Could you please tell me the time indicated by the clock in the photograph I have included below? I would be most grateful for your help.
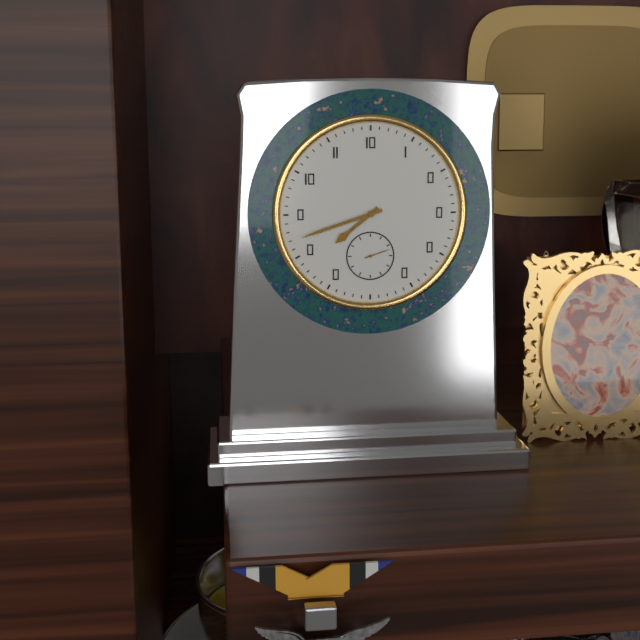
7:42
